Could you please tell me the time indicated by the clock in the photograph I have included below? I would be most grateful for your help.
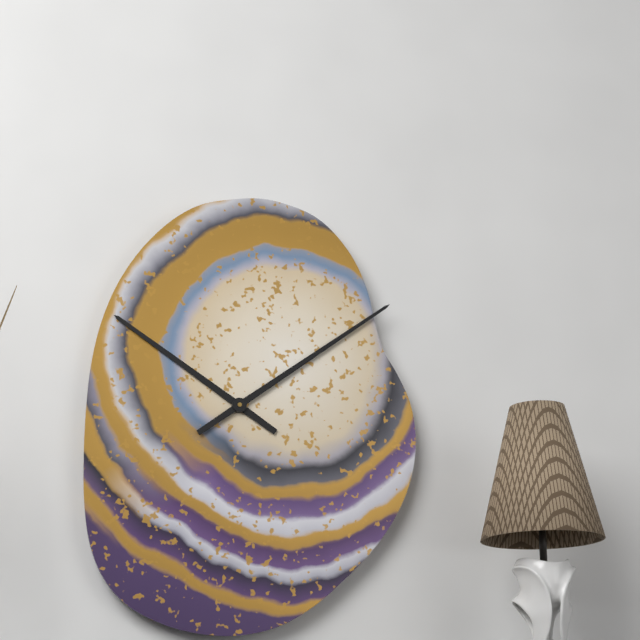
10:09
